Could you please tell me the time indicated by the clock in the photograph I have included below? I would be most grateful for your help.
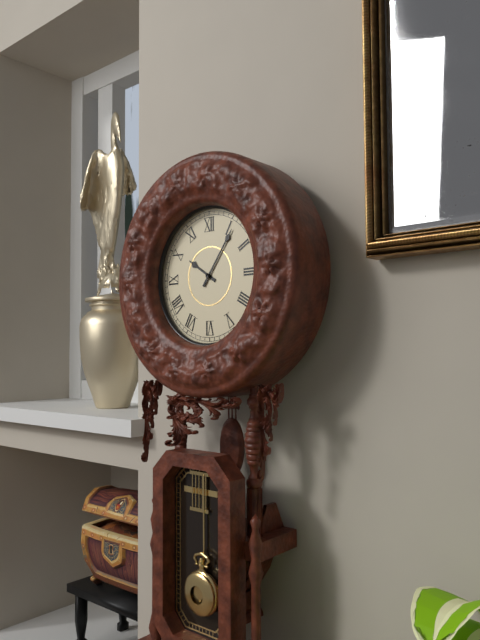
10:06
